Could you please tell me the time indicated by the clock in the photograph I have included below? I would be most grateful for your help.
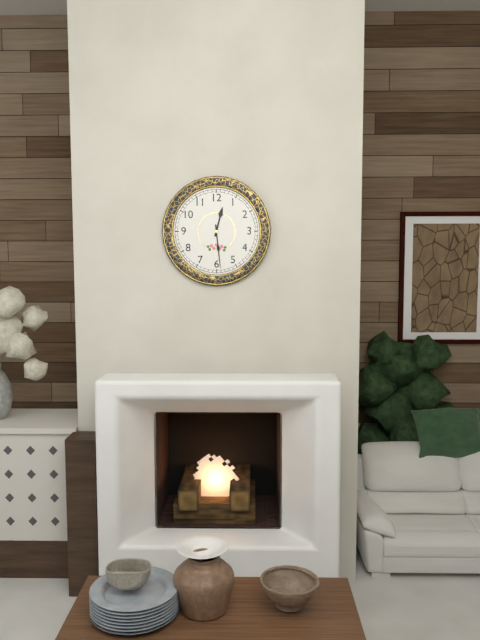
12:29
